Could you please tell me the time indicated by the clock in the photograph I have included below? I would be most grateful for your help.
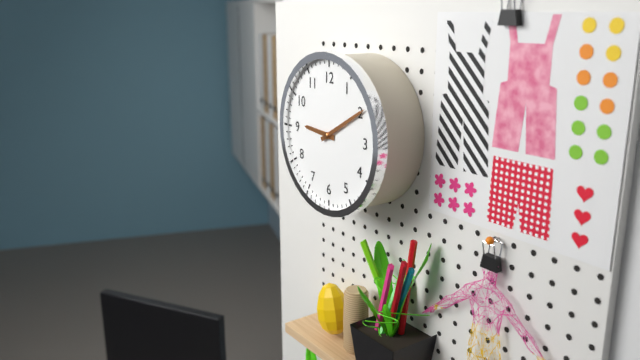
9:10
